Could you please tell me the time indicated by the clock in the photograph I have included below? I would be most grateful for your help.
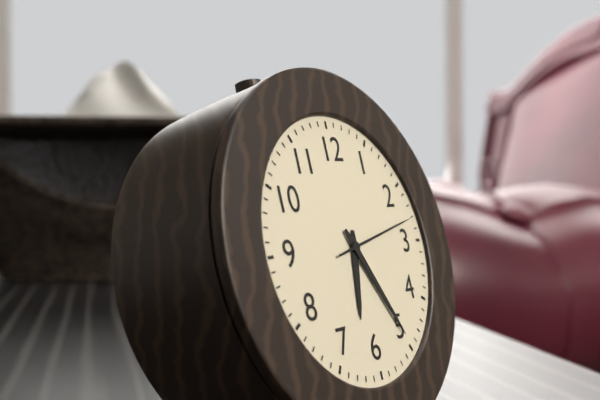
6:25:13
